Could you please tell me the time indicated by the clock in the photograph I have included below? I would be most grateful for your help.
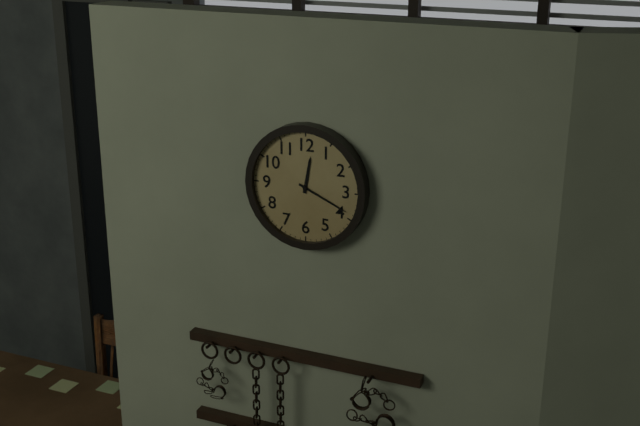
12:19
